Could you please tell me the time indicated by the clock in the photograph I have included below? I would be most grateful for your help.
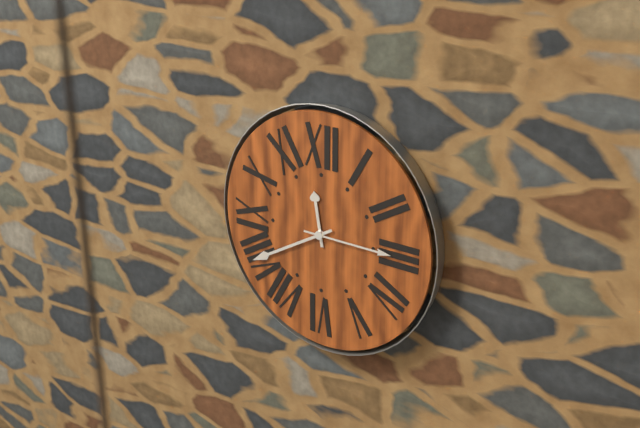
11:40:15
